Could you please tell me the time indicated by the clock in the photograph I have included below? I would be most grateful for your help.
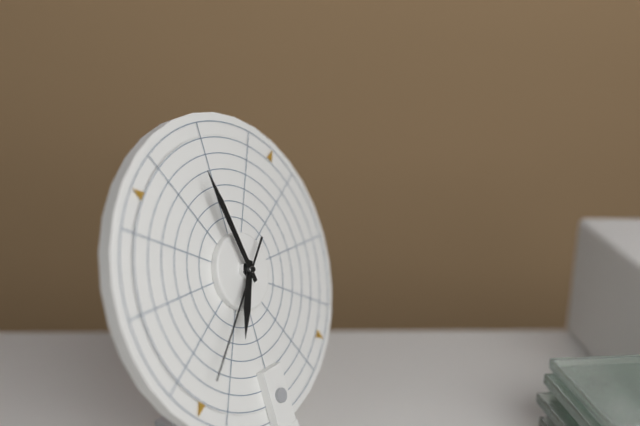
6:58:38
